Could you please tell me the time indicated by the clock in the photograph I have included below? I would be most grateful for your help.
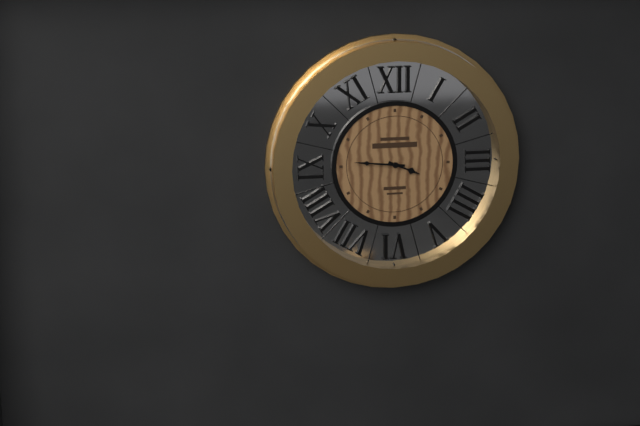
3:46
